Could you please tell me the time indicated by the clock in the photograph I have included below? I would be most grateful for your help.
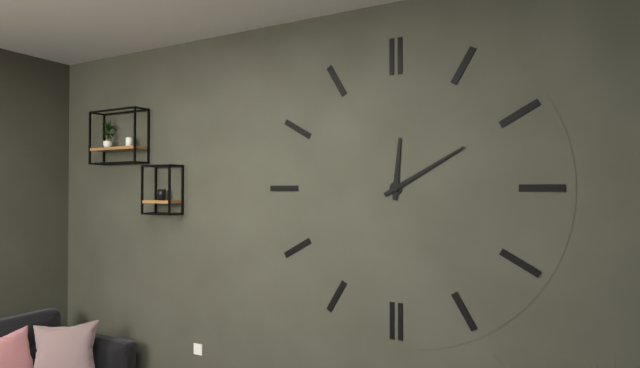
12:10
